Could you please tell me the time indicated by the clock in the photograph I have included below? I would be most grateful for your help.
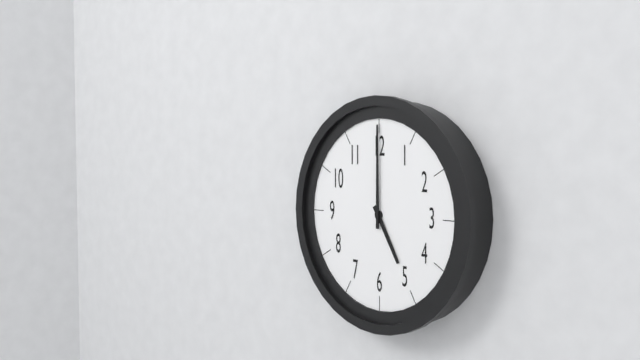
5:00
